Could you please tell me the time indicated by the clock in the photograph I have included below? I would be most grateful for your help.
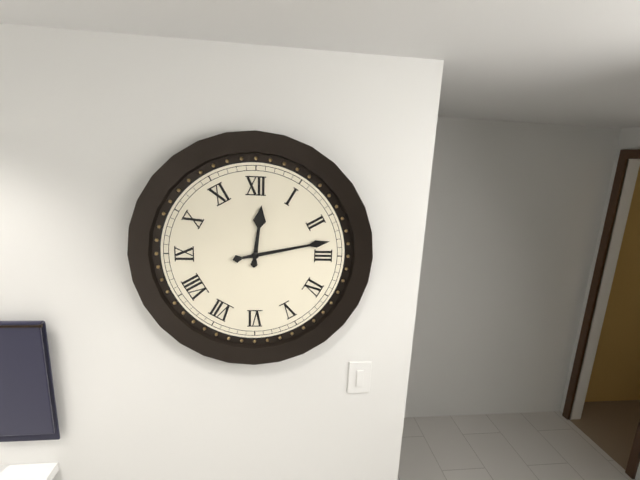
12:13
